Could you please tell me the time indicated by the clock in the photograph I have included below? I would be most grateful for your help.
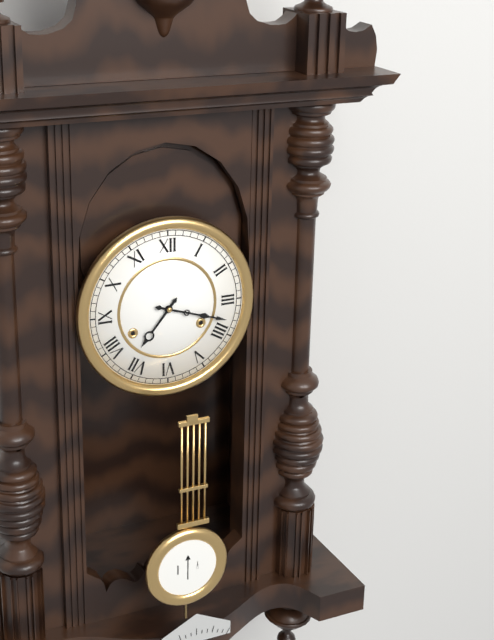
7:18
